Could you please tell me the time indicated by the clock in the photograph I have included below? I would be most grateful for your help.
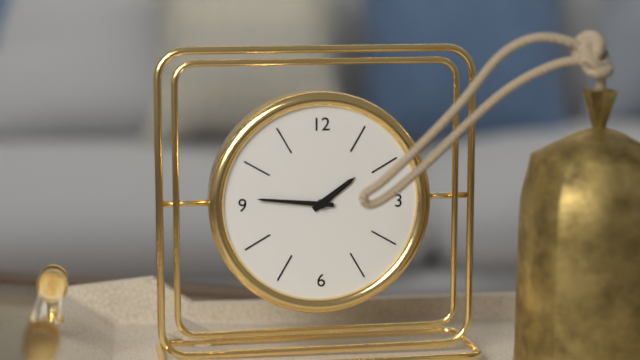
1:46
